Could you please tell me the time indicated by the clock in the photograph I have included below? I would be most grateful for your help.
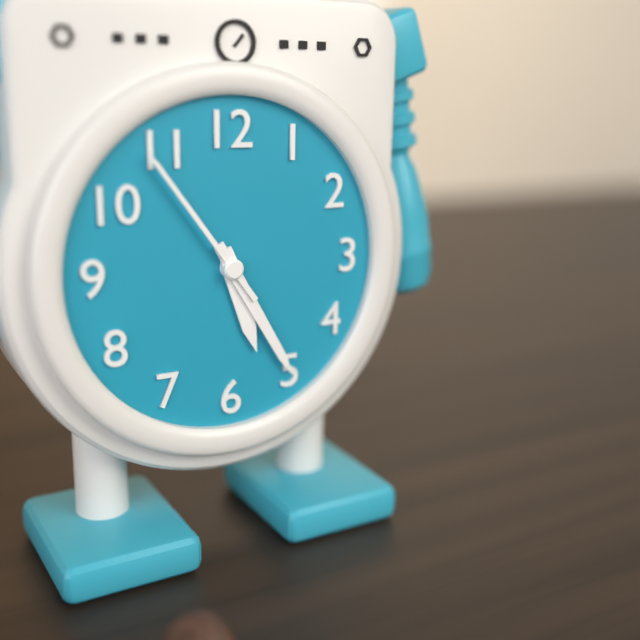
5:25:54
